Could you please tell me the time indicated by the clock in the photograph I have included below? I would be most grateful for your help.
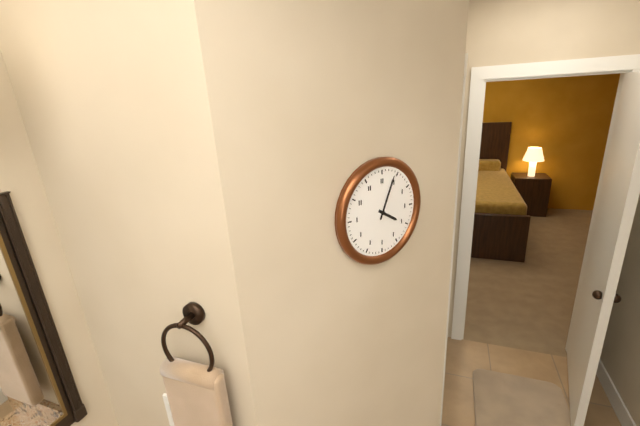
4:04
